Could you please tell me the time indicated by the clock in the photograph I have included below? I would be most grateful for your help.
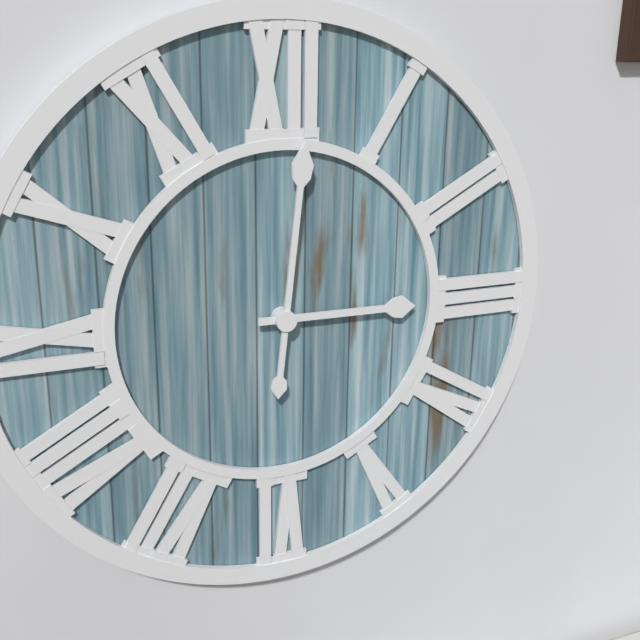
3:01
